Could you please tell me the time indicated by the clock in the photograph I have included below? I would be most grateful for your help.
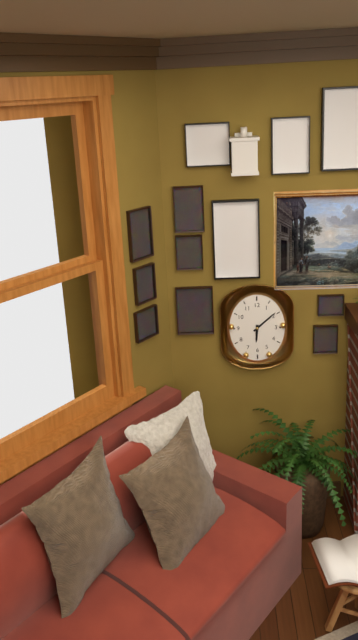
6:08
